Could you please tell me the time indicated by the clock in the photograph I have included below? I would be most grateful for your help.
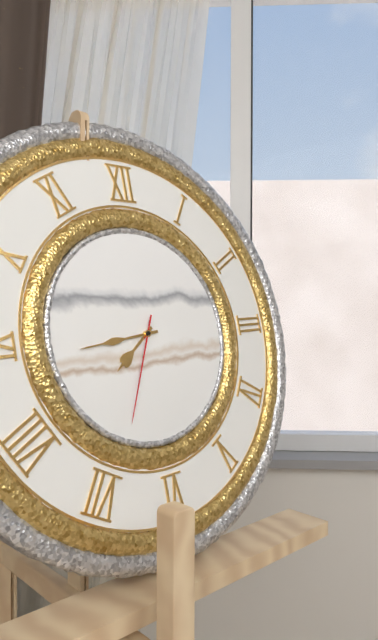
7:44:34
